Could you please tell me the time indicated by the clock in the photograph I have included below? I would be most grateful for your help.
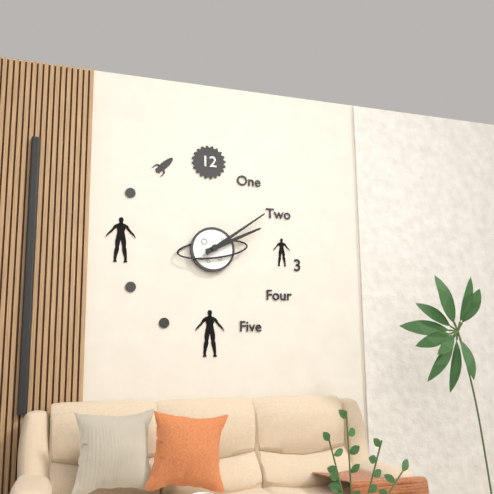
2:09
